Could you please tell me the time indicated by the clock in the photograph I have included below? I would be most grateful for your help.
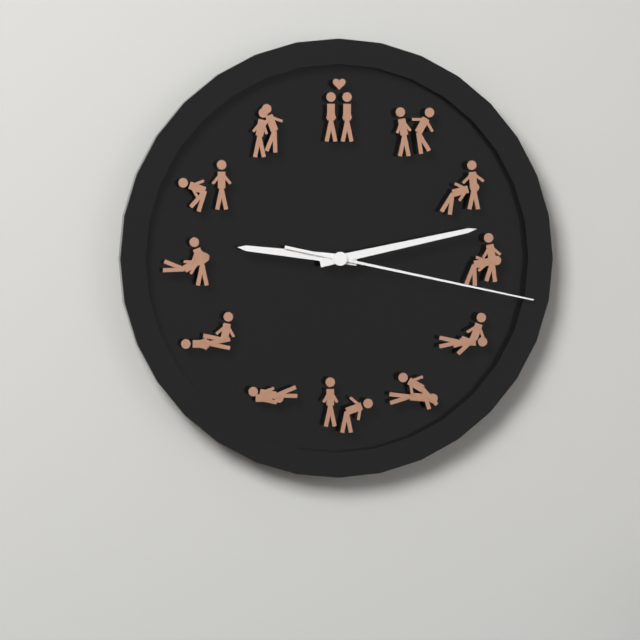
9:13:17
